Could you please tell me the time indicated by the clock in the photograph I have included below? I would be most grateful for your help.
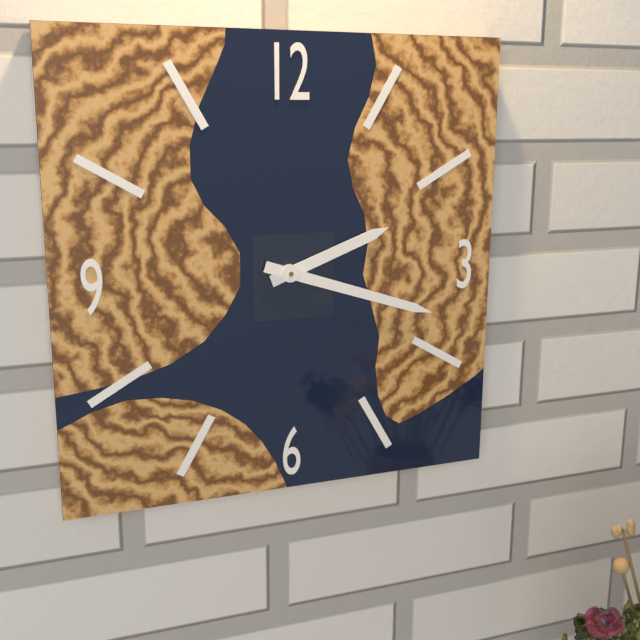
2:18
